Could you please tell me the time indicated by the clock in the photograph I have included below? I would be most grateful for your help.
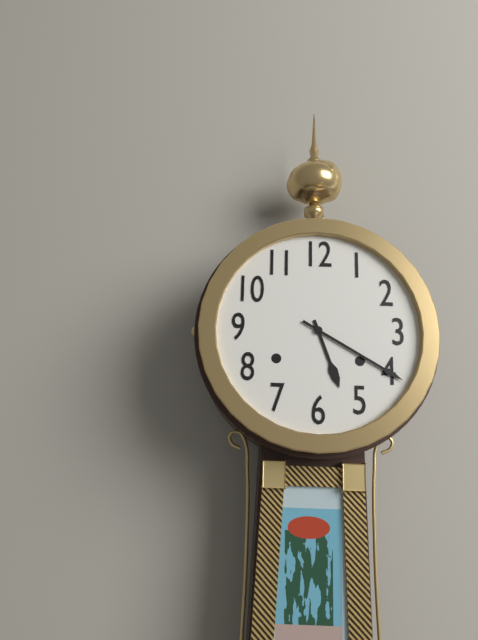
5:20
